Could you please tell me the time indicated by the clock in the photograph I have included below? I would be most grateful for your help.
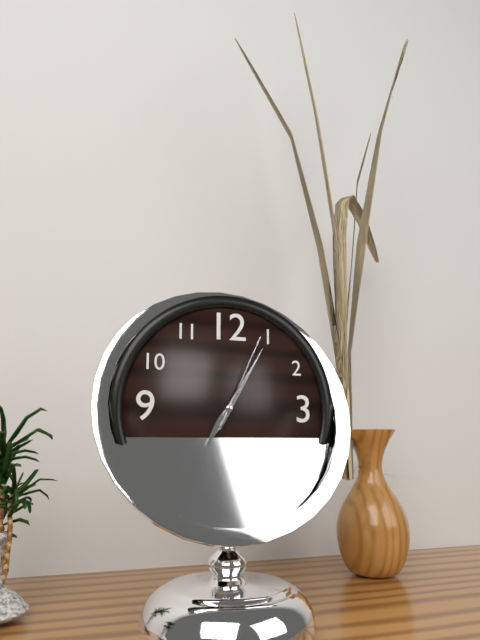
7:05:04
